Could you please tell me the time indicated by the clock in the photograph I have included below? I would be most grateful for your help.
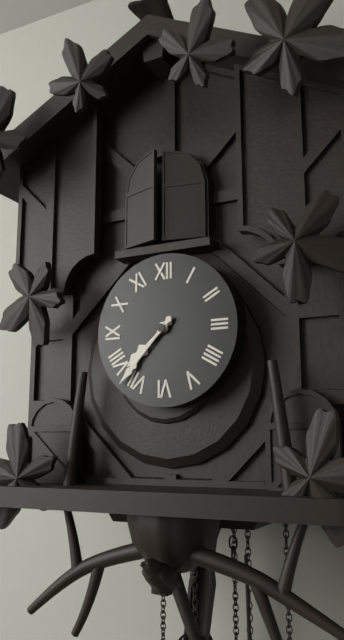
7:37
